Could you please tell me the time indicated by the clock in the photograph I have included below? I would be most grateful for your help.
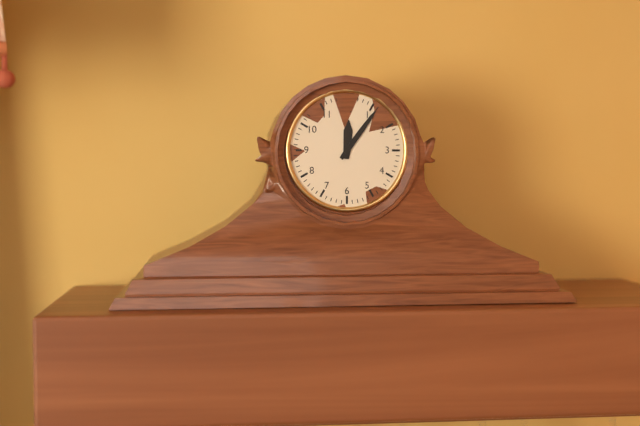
12:06
